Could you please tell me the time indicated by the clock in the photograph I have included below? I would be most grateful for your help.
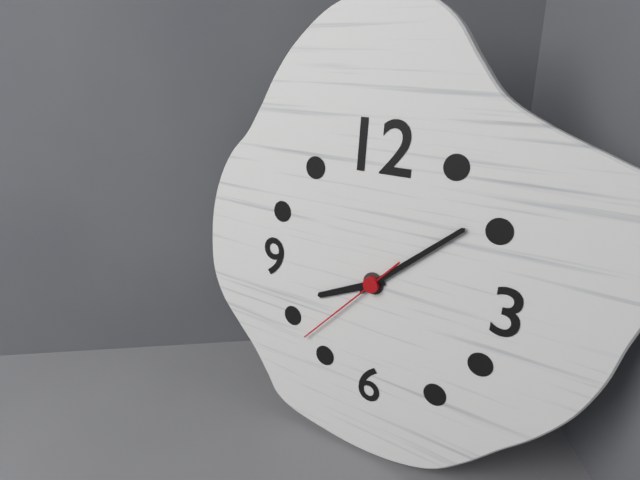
8:08:37
